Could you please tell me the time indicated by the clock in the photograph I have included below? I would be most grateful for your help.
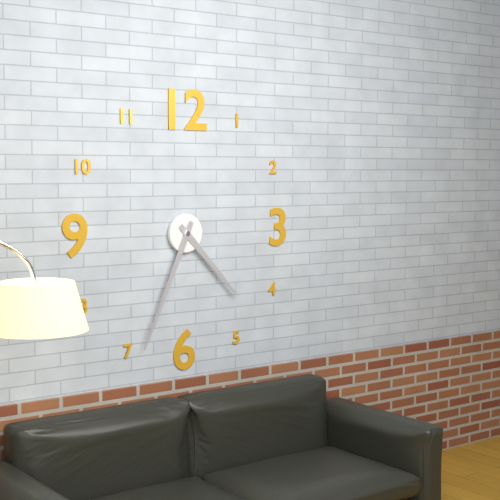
4:34
